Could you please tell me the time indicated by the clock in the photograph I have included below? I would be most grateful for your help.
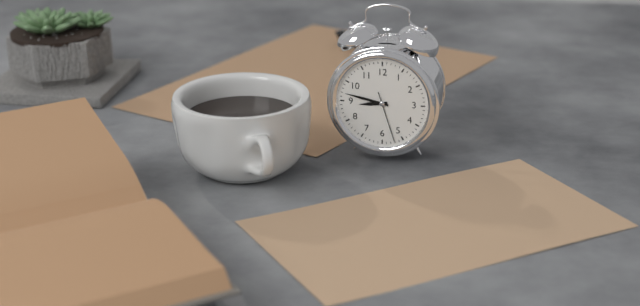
8:47
